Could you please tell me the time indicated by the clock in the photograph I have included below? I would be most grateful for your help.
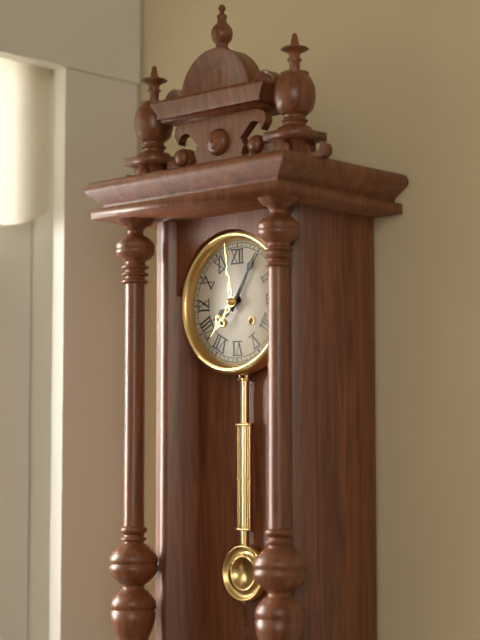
8:05
